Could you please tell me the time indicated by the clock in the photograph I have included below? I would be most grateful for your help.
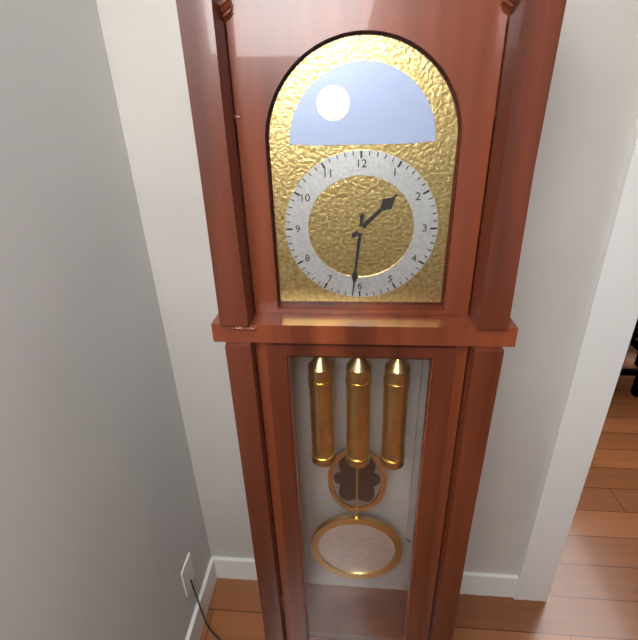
1:31
